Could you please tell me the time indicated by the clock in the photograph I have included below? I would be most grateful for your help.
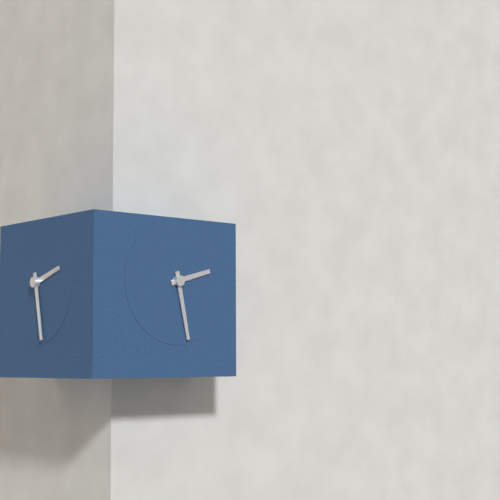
2:28
